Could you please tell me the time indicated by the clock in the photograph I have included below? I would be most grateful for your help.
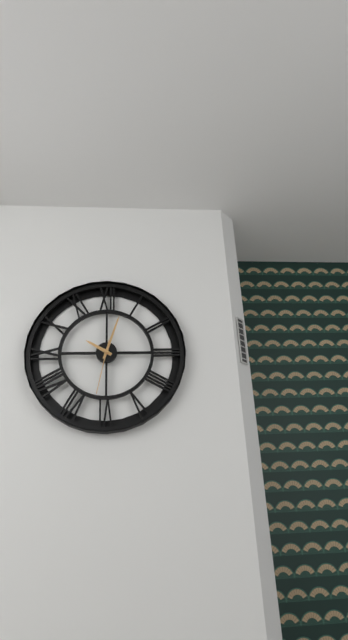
10:03:32
